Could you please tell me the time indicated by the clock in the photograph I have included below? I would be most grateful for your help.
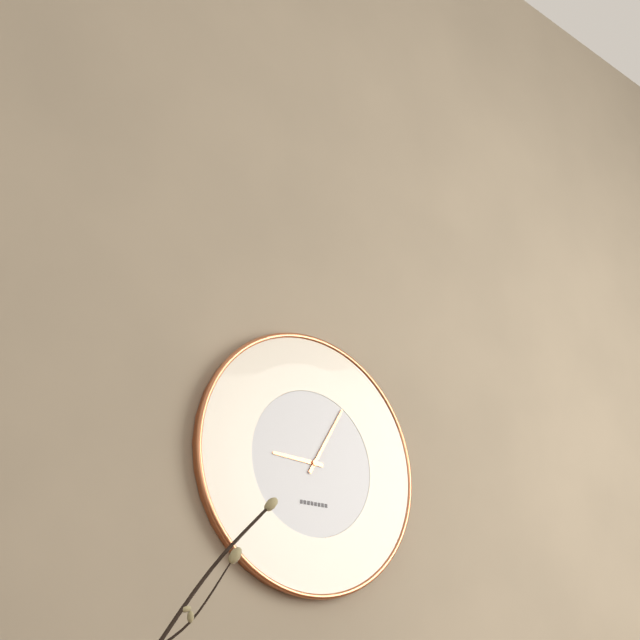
9:05
